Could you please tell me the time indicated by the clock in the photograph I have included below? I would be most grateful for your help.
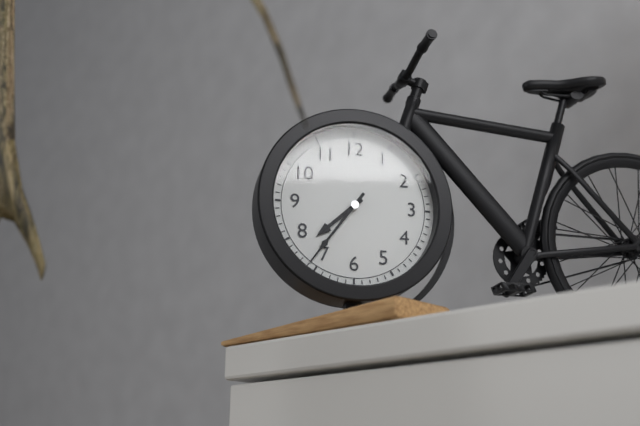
7:36
